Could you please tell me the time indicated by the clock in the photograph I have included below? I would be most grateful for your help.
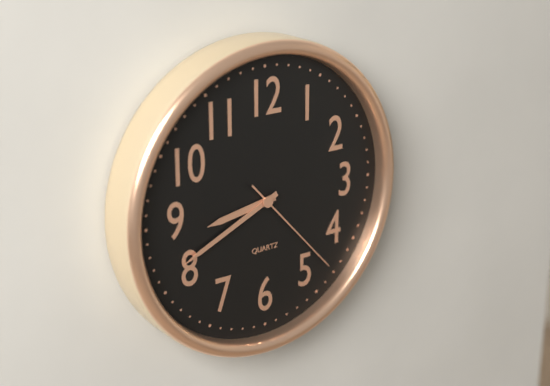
8:41:23
